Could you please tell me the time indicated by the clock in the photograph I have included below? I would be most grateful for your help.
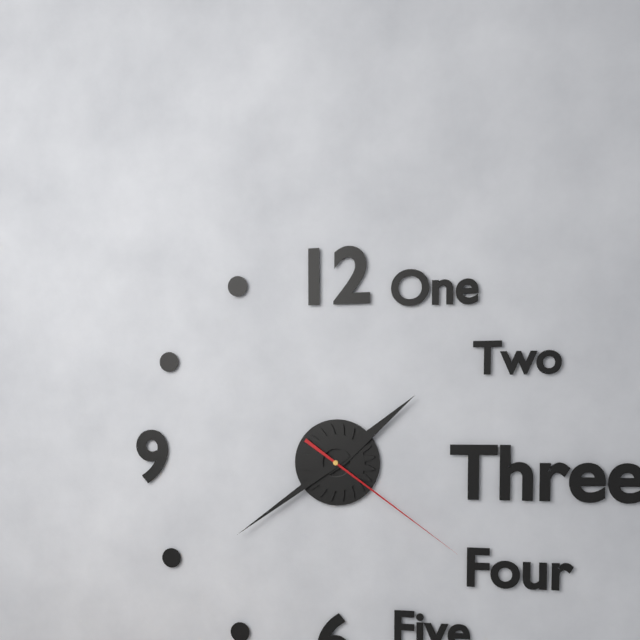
1:39:21
